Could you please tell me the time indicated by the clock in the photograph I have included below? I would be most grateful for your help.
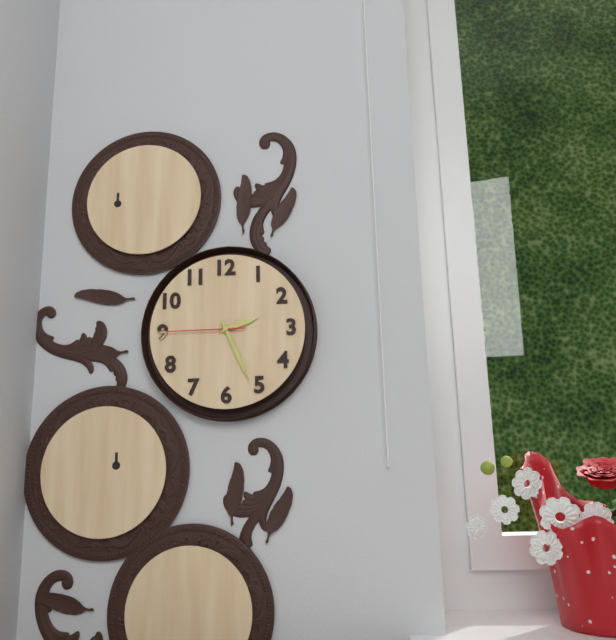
2:26:45
